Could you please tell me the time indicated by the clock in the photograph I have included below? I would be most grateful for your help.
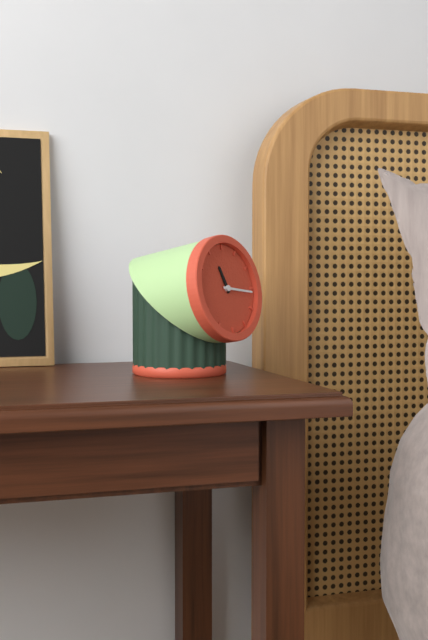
11:16
